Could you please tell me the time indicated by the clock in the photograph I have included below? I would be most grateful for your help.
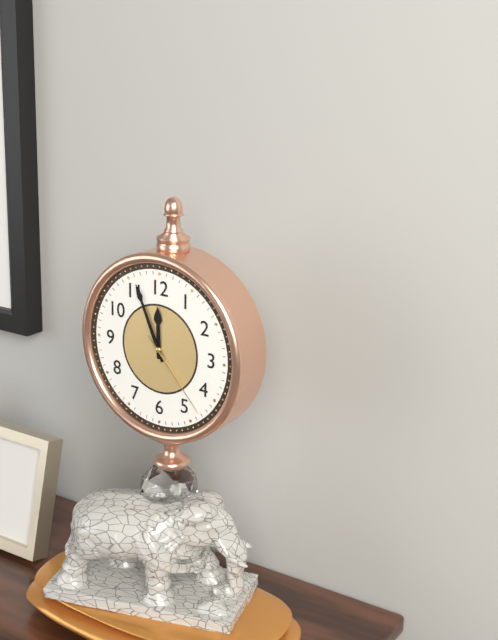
11:56:23
